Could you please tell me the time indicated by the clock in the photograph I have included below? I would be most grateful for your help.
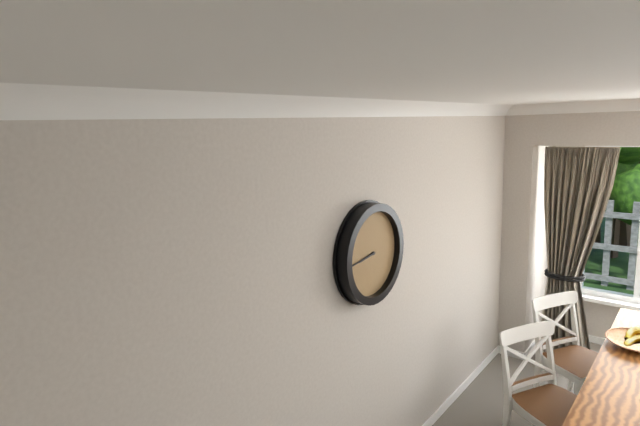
8:44
